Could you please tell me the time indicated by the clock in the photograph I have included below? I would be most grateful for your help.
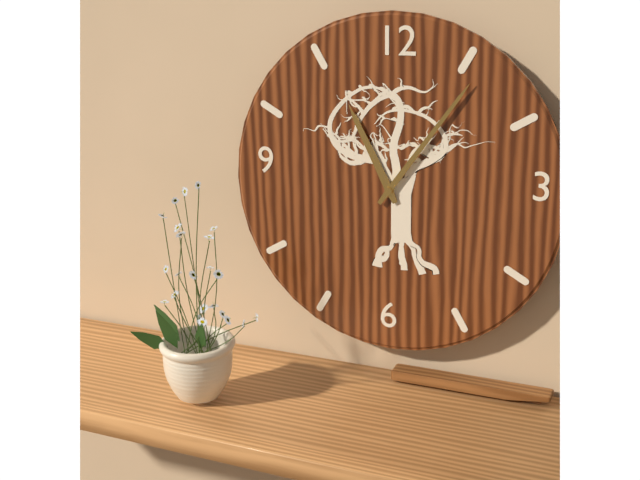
11:06
